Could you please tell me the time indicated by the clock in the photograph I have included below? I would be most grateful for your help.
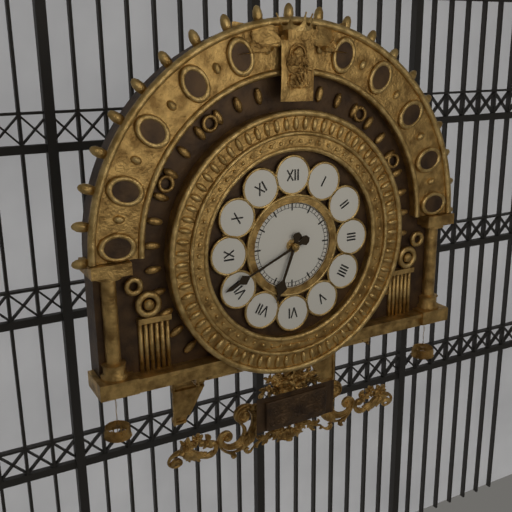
6:41
